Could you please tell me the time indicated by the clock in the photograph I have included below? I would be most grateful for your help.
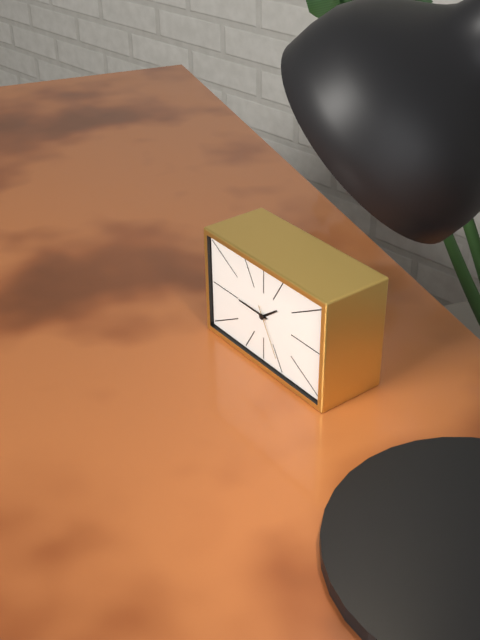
1:45:25
